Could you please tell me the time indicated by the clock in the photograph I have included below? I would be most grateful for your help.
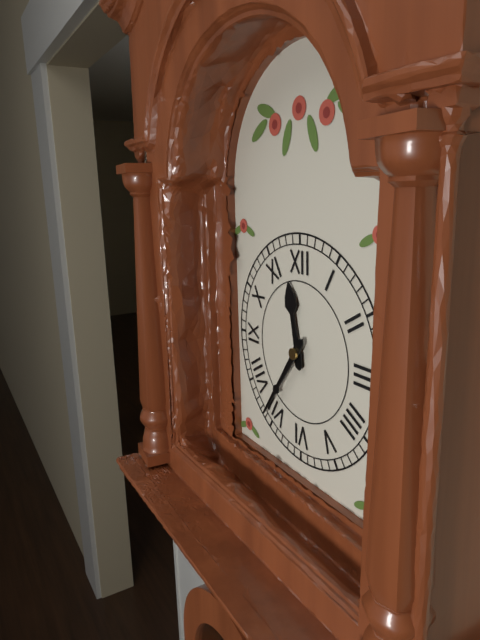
11:36
